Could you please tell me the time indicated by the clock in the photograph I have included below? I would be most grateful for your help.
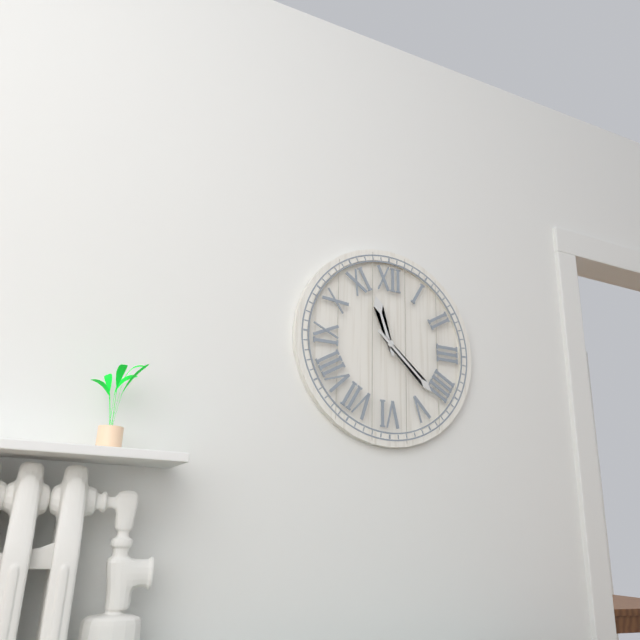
11:22
